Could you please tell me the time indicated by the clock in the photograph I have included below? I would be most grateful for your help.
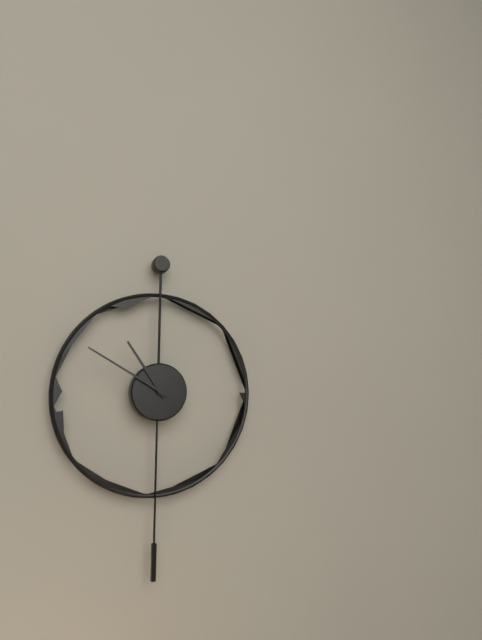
10:50
